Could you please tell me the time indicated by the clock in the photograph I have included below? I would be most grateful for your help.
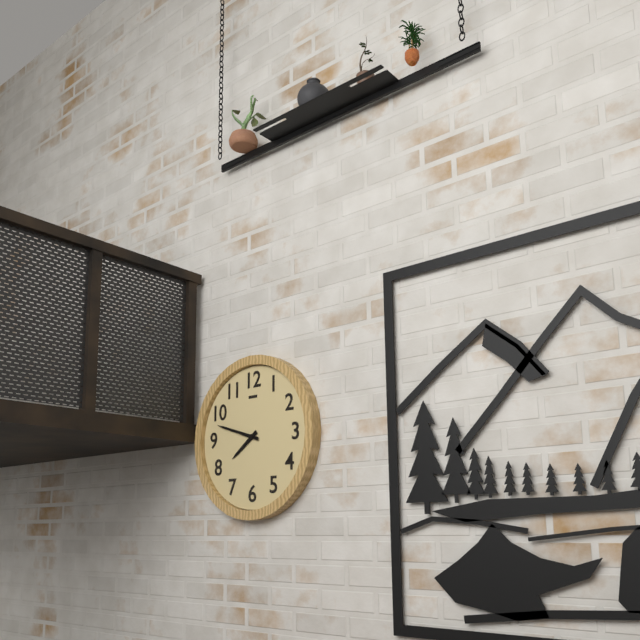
7:48
